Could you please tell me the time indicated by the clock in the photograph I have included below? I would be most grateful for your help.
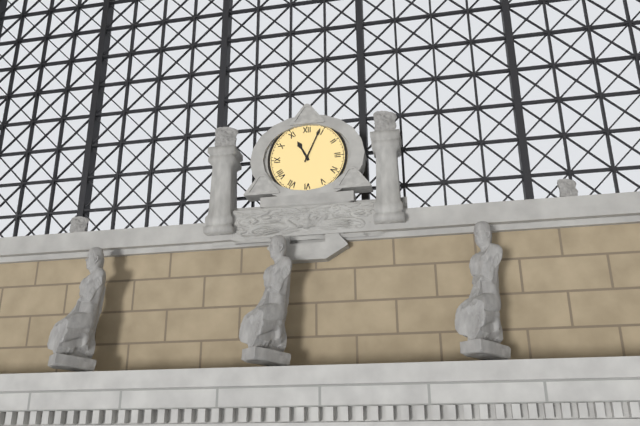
11:04
